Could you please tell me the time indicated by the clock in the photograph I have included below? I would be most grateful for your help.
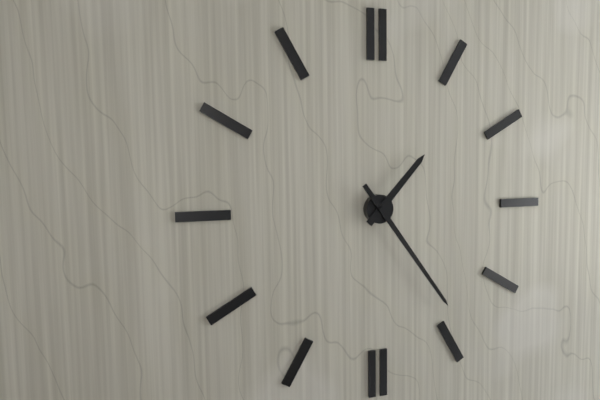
1:24
